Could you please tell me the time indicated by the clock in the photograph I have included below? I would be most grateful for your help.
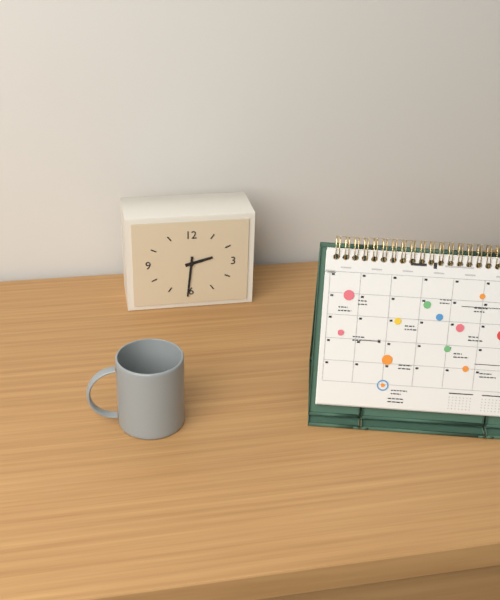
2:31
